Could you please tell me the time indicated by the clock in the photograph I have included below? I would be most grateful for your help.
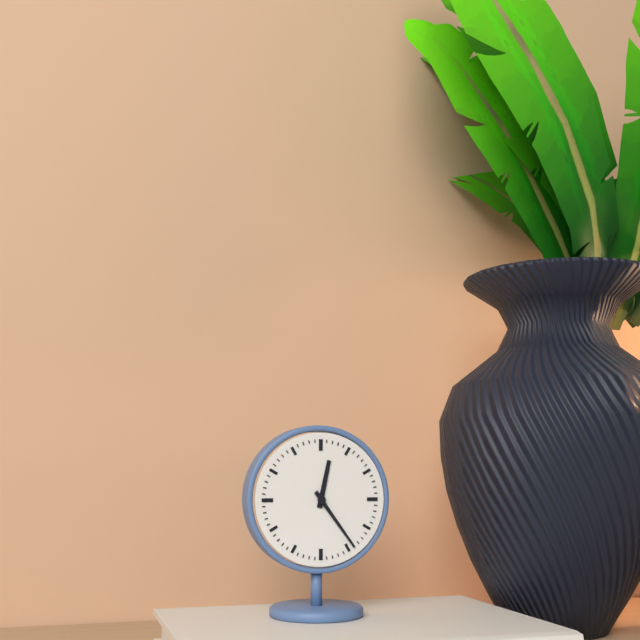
12:24
